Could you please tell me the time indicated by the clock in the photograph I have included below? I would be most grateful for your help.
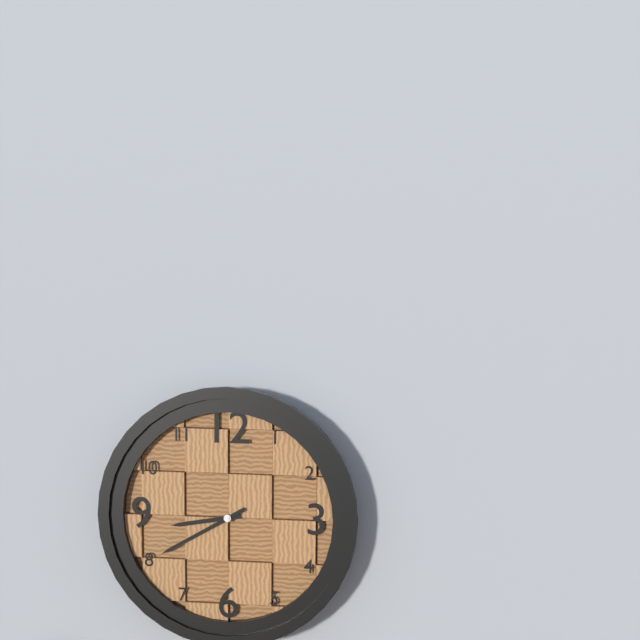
8:40
